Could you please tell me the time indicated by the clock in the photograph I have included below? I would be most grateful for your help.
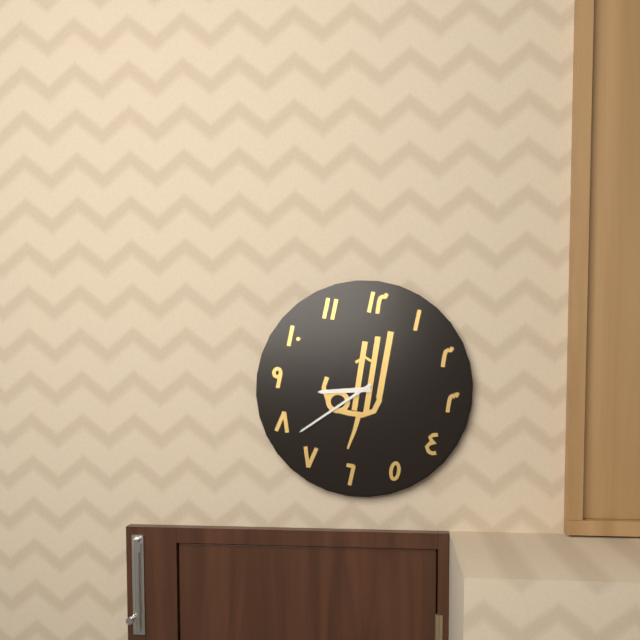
8:38
